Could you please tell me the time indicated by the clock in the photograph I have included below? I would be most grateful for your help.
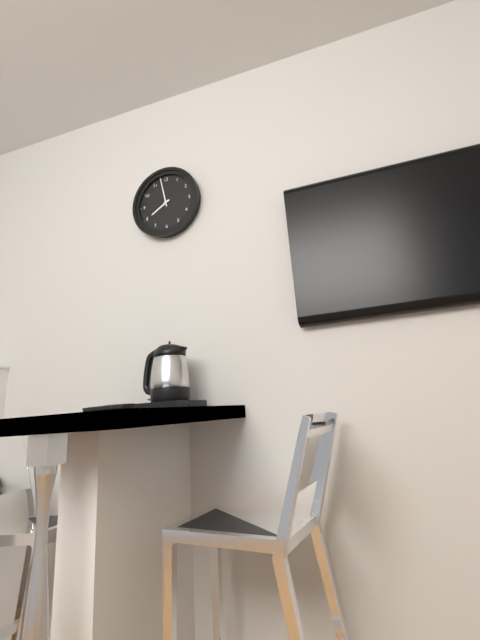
7:58
